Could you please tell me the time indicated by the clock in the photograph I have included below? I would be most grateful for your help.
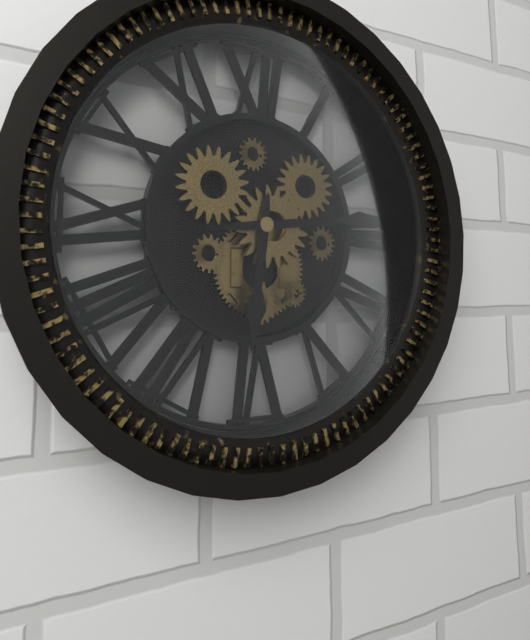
6:14
